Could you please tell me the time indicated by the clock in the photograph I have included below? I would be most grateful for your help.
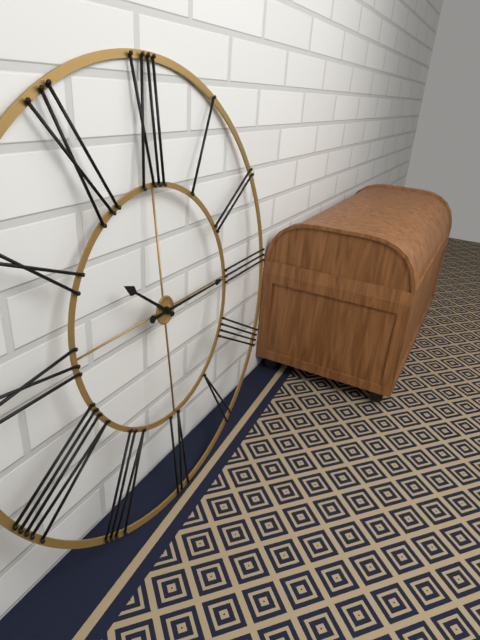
10:15
